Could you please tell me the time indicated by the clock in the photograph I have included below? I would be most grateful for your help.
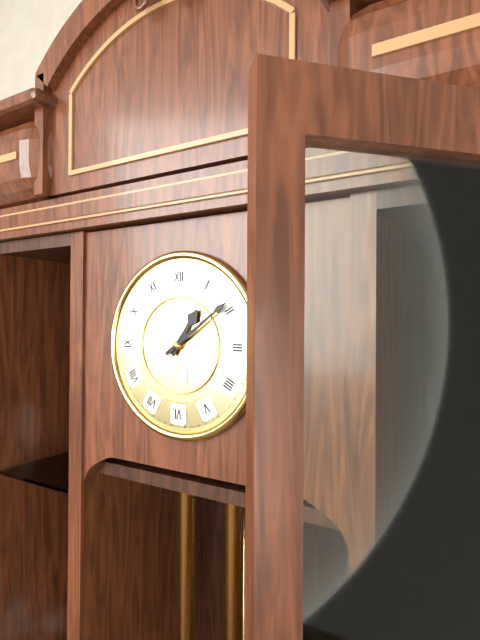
1:09
